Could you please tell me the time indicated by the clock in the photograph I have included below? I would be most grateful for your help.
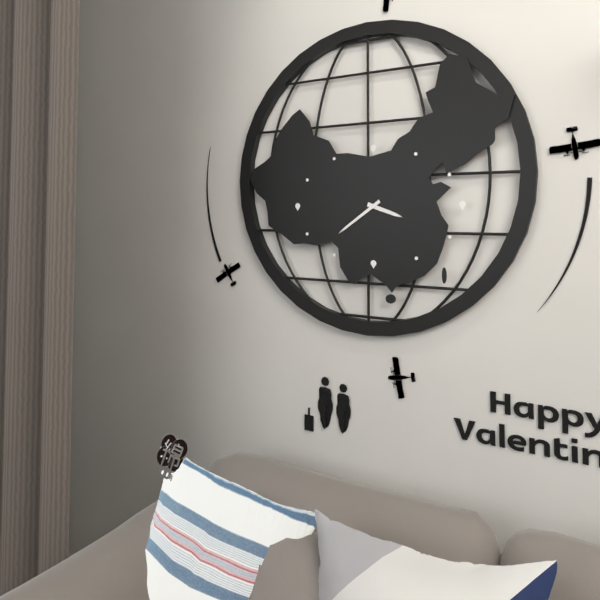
3:39
